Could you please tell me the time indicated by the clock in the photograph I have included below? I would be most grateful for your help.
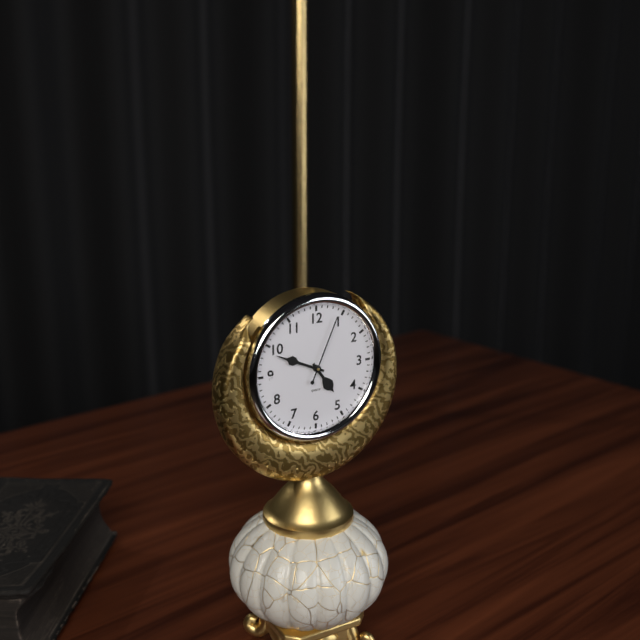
4:49:04
